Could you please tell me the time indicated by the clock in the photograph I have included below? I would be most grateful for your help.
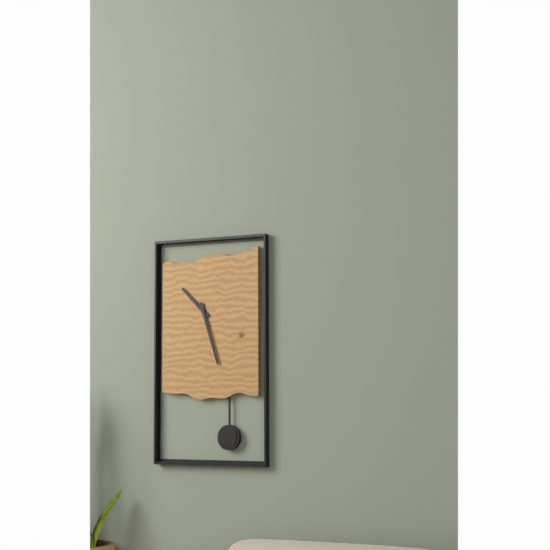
10:27
